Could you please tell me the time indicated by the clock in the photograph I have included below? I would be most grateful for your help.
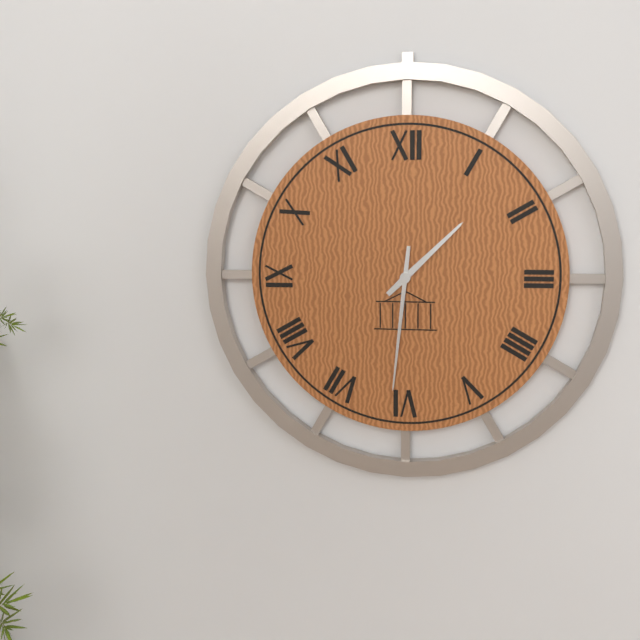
1:31
